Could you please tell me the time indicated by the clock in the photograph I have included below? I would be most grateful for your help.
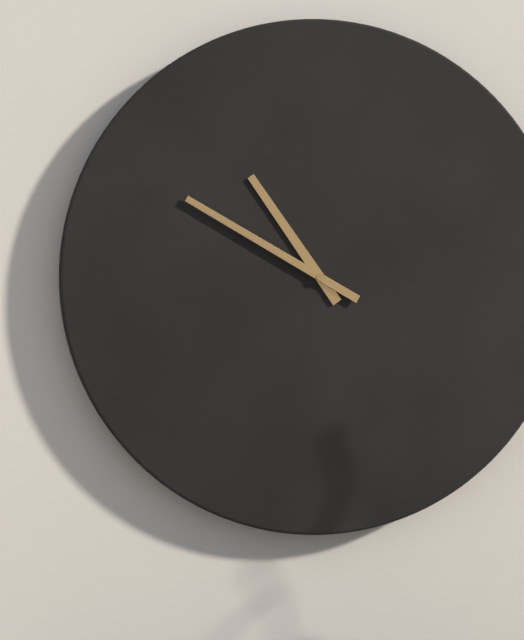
10:50
